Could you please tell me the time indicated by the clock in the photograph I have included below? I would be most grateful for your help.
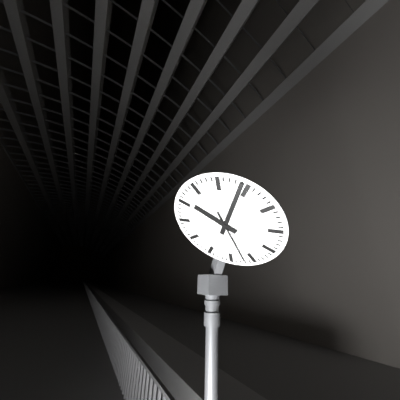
11:09:32
